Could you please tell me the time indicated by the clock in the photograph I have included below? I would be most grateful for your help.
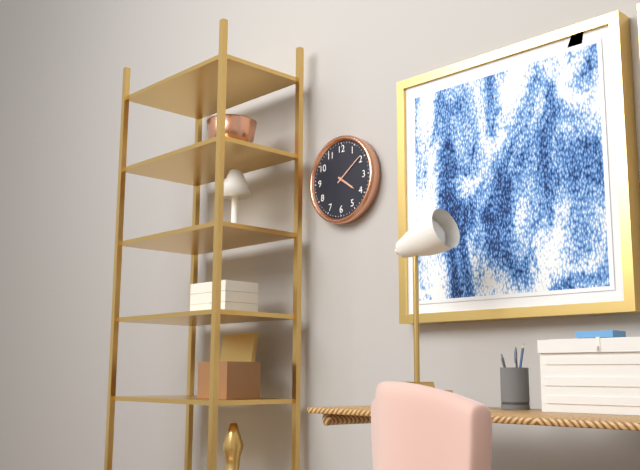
4:09
